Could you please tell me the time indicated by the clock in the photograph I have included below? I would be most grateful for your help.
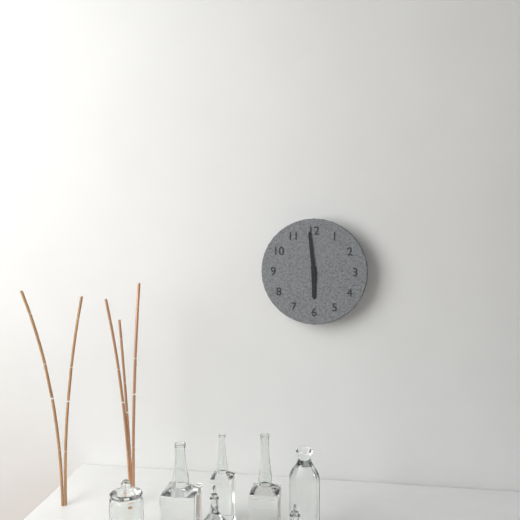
5:59
